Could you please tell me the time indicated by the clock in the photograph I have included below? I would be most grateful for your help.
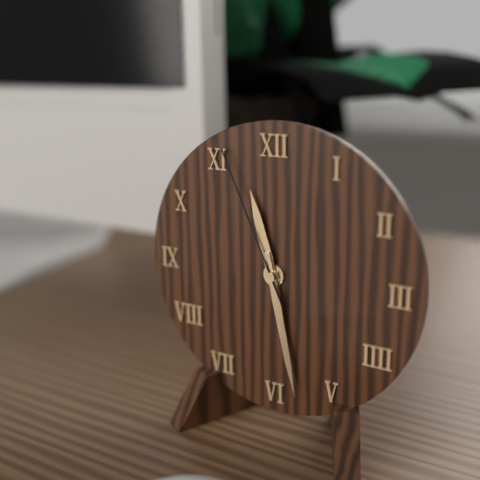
11:28:56
